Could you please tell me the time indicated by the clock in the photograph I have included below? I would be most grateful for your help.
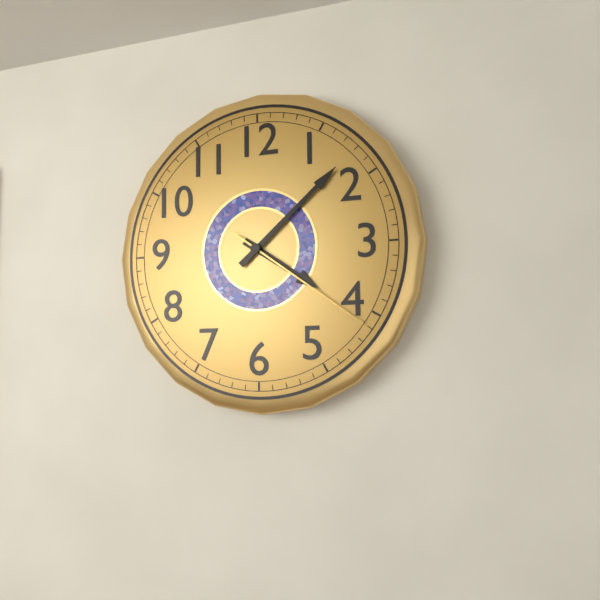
4:08:21
